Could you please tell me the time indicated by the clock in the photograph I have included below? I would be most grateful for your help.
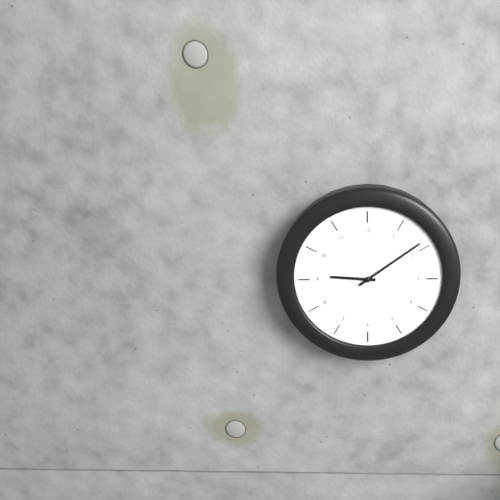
9:09
